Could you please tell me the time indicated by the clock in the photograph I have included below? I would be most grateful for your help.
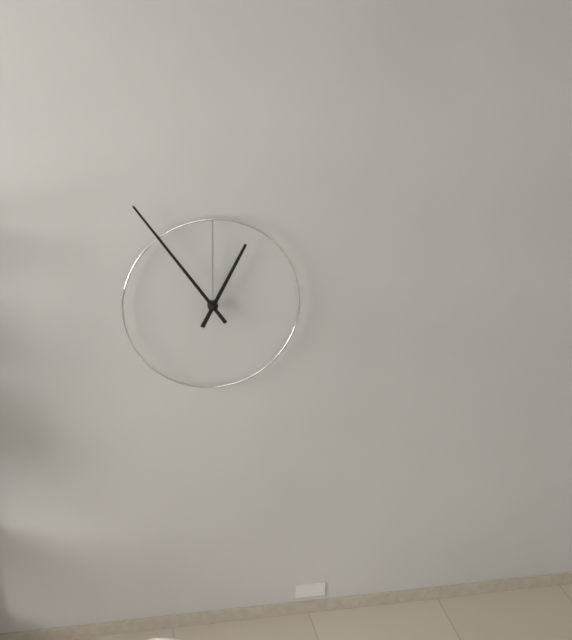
12:54
